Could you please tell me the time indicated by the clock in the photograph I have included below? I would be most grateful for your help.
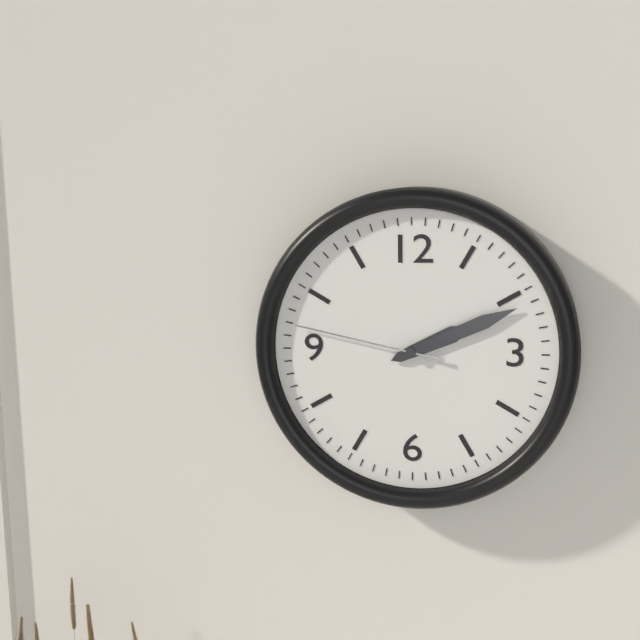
2:11:47
